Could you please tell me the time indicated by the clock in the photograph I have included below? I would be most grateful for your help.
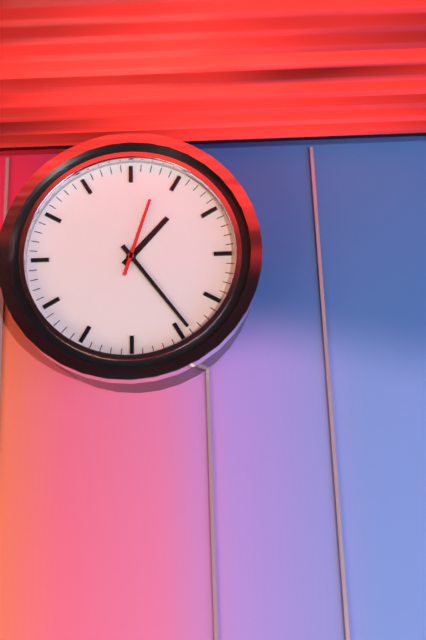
1:24:03
